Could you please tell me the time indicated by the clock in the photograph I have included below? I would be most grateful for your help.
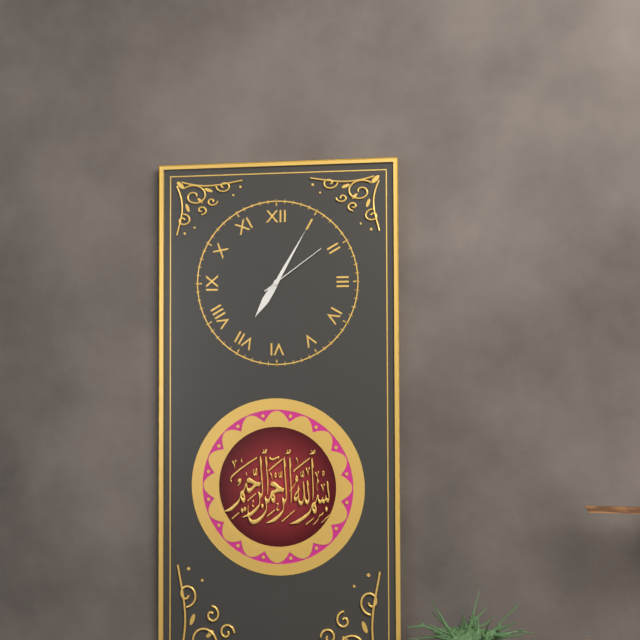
7:05:09
